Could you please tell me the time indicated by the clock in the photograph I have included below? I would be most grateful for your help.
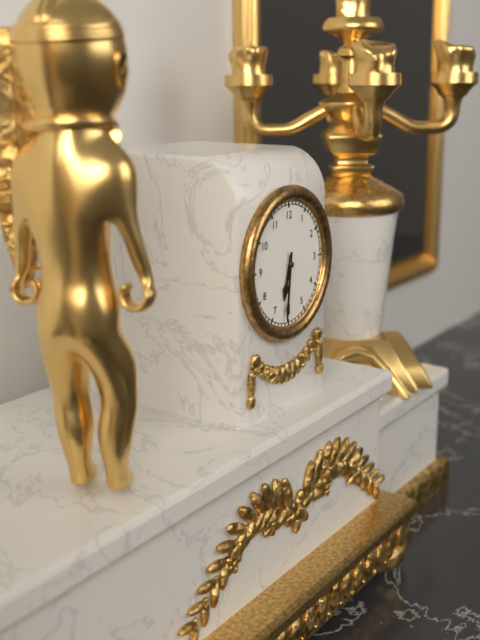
6:31
